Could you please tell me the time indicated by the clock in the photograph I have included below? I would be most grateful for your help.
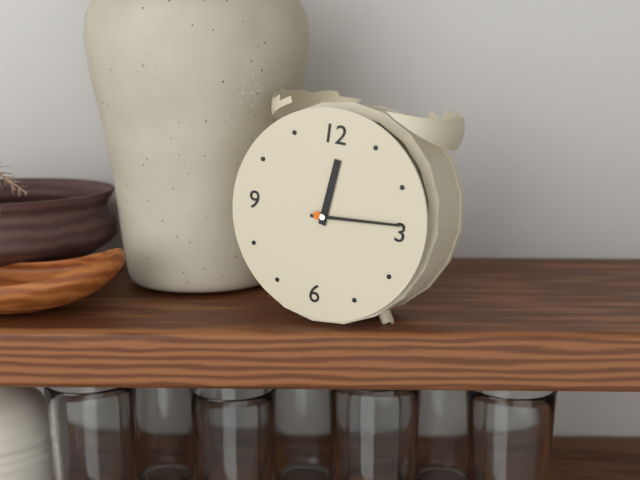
12:14
